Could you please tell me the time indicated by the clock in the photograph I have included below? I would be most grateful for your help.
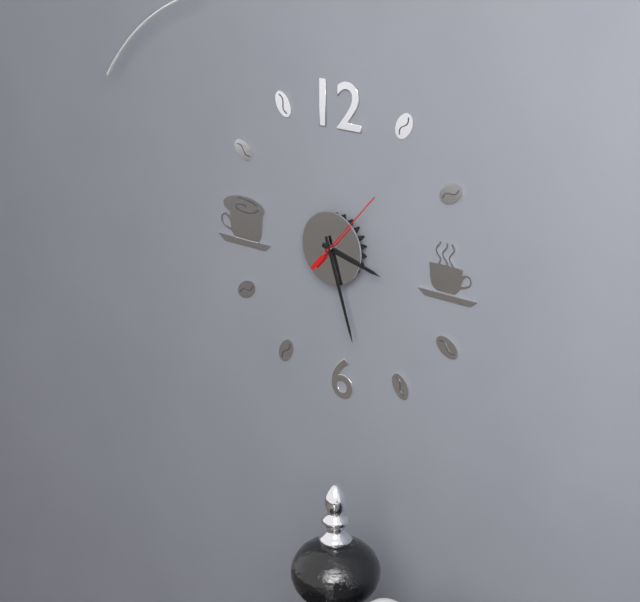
3:27:07
